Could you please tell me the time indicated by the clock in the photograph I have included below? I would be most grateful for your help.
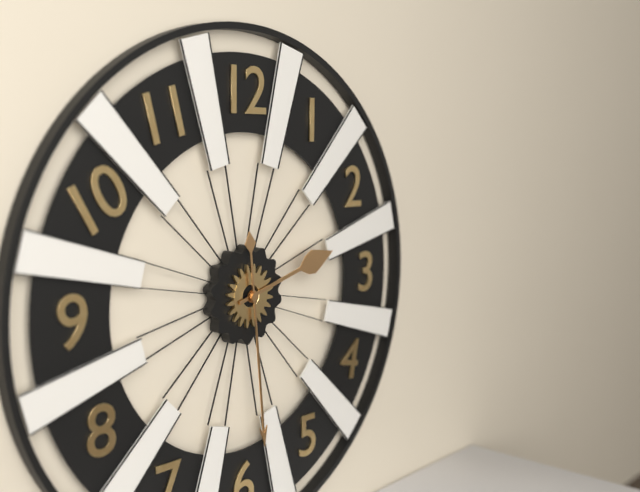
2:29
